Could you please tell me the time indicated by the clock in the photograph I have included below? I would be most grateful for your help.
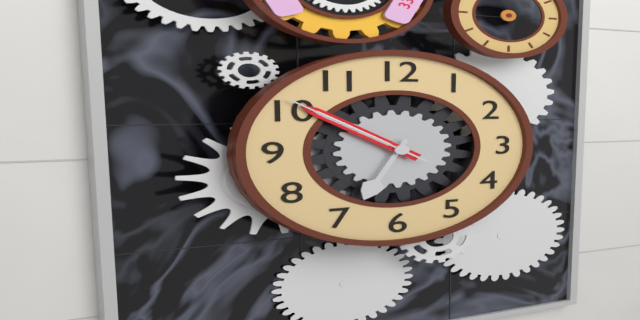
6:51:51
